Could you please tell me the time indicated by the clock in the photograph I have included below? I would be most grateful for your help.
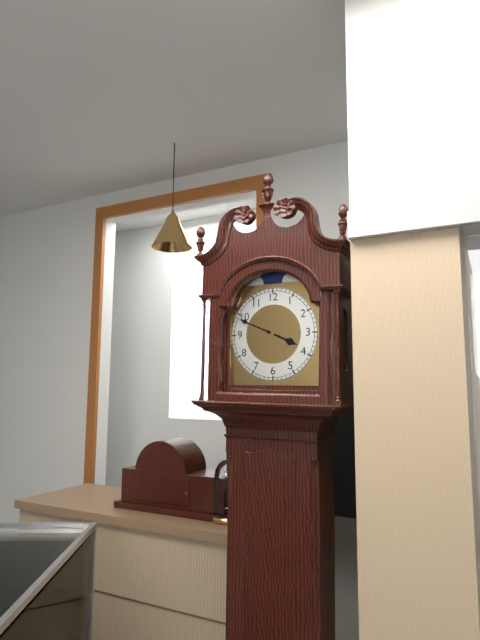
3:49
